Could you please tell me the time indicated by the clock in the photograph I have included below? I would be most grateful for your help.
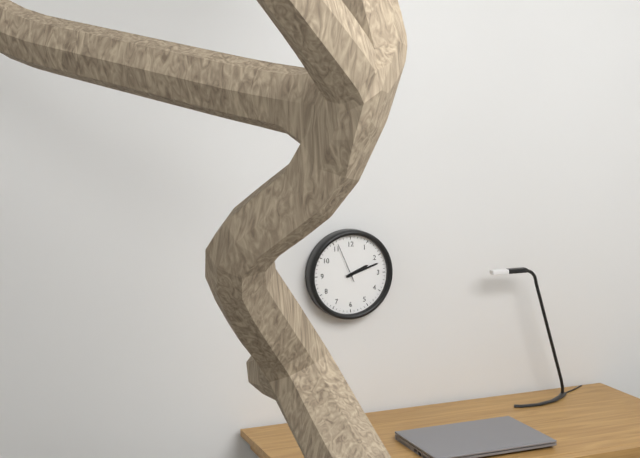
2:12
